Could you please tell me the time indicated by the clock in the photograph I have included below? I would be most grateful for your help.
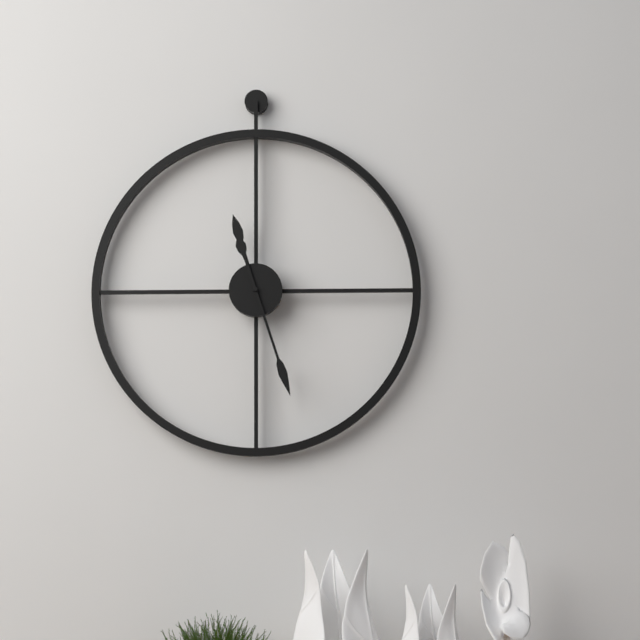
11:27
